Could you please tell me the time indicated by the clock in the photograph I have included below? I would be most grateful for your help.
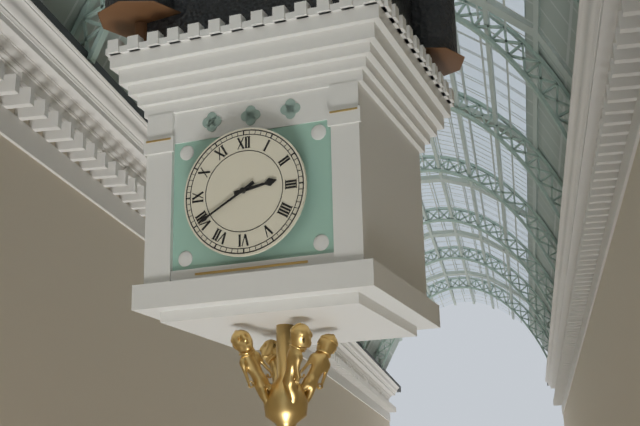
2:40
